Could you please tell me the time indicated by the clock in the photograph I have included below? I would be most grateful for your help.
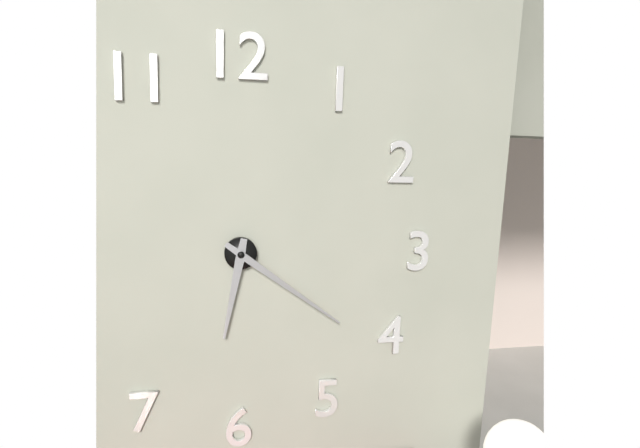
6:21
